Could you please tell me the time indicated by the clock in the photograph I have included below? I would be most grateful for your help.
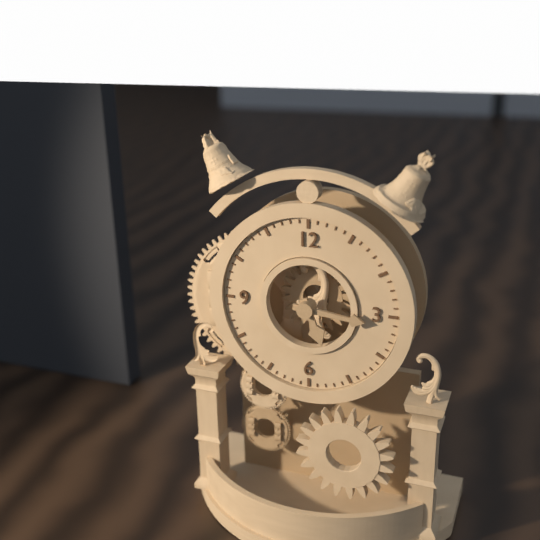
5:16
